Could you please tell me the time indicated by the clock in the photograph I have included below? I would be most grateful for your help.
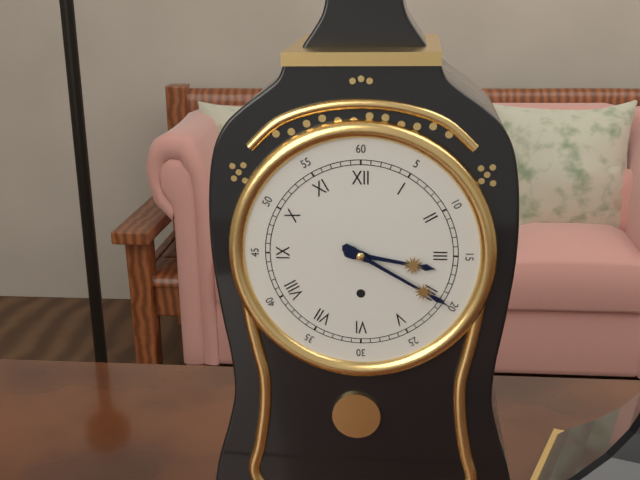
3:20
